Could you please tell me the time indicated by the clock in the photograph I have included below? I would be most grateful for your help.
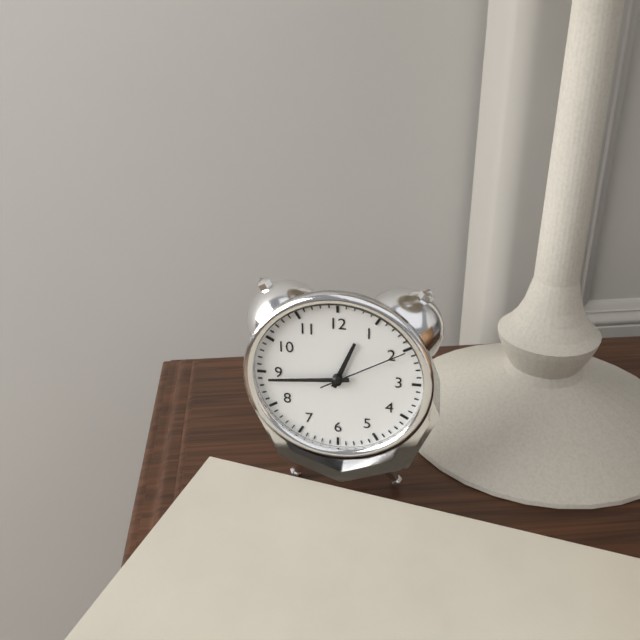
12:44:10
